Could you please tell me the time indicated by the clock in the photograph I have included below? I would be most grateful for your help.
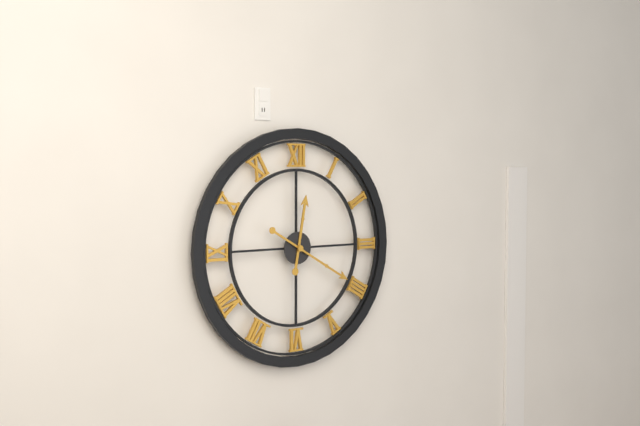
12:20
